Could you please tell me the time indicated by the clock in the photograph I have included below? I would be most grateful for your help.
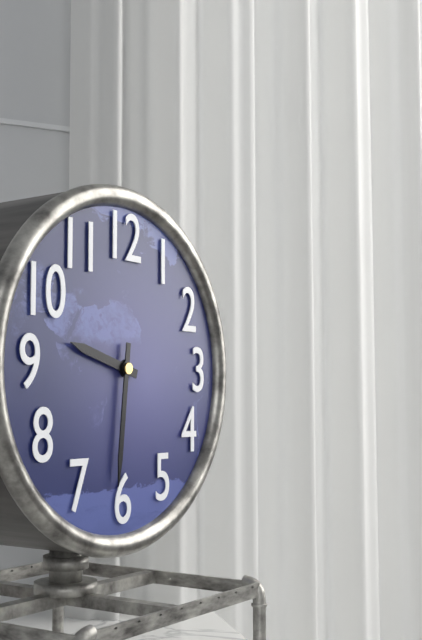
9:31
